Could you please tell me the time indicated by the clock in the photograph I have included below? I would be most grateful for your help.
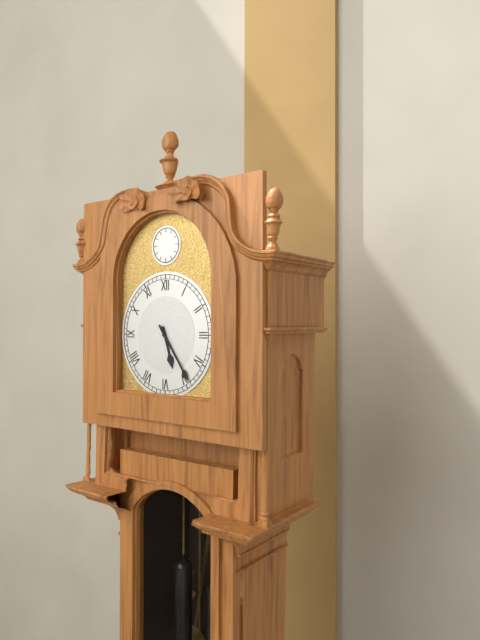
5:24
